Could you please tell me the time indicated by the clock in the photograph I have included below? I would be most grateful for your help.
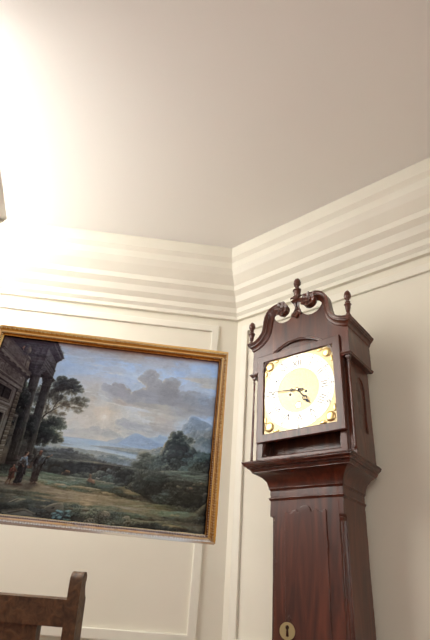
4:46
